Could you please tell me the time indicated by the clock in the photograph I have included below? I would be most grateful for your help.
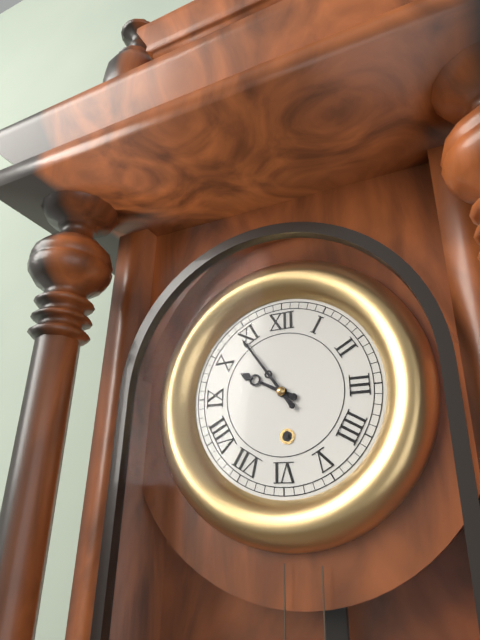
9:54
